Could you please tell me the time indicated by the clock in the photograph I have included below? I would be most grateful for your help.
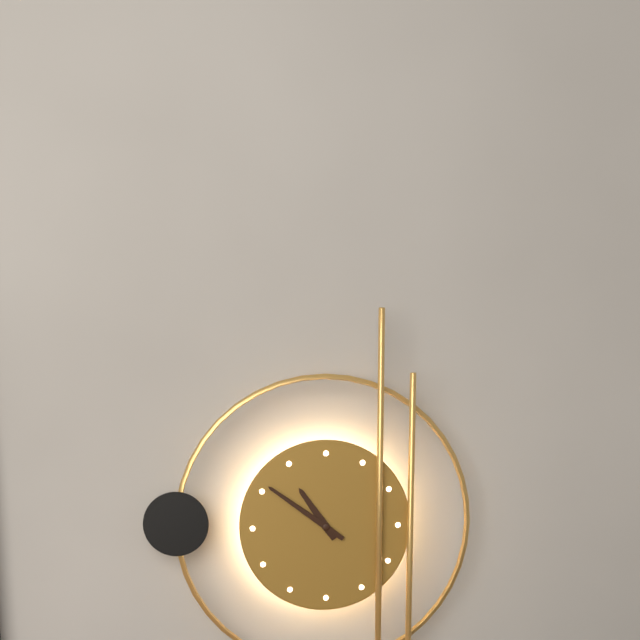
10:51
